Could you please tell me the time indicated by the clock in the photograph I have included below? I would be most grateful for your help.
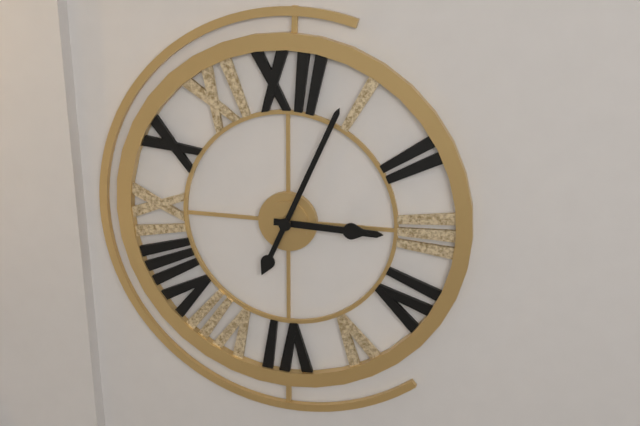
3:04
